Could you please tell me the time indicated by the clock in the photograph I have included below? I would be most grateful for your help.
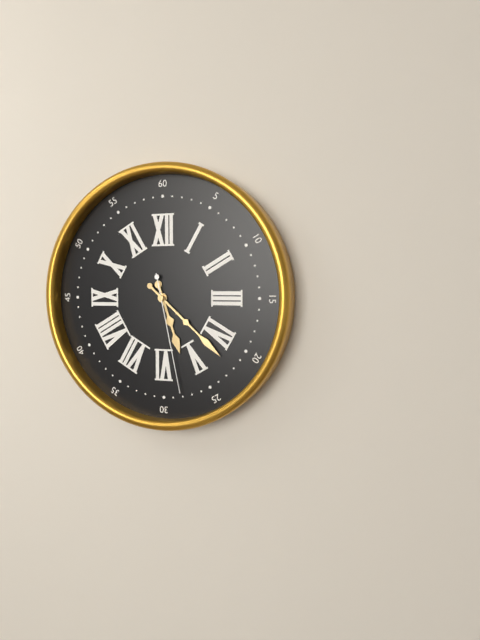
5:22:28
